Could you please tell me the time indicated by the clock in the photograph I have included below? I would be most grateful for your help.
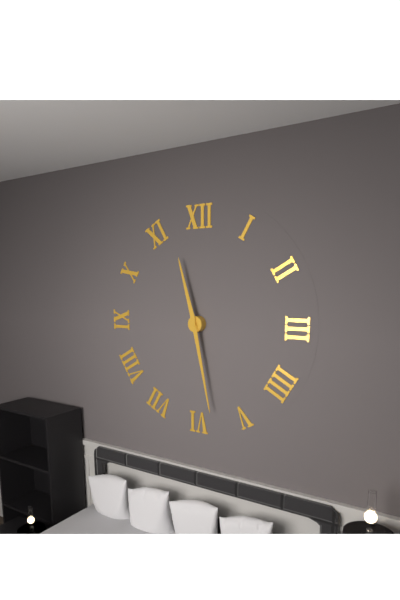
11:28
